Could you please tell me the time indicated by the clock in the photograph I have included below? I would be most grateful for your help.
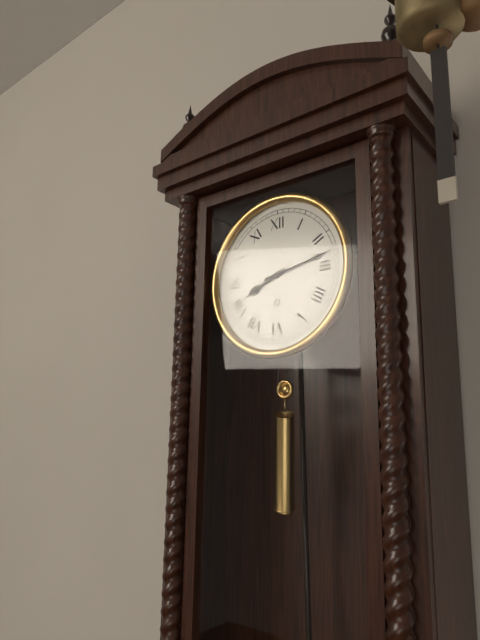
8:13
